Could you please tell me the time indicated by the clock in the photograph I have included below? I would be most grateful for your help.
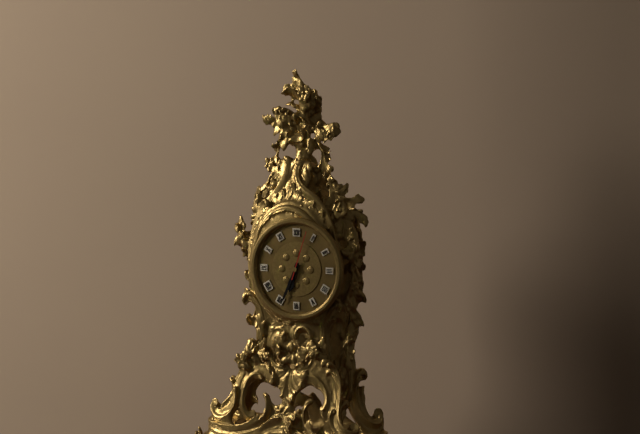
6:34
